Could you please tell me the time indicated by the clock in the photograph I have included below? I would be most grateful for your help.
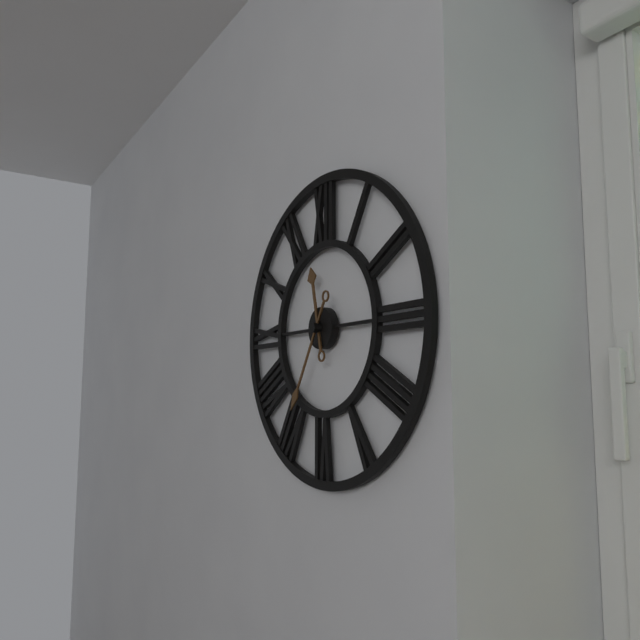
11:35
